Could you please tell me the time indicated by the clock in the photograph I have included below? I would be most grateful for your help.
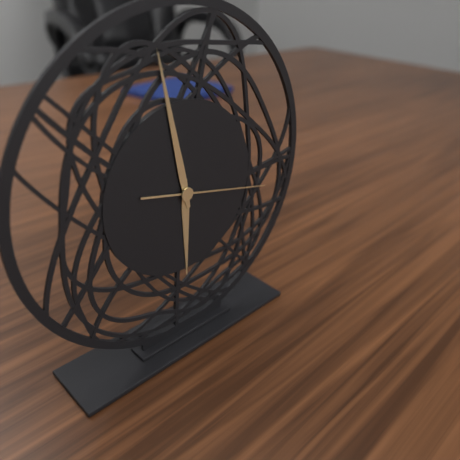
5:58:17
